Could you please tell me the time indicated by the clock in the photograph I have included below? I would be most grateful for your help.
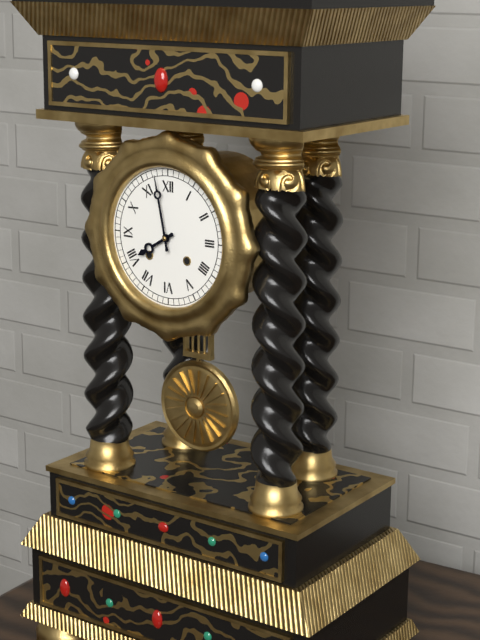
7:58
